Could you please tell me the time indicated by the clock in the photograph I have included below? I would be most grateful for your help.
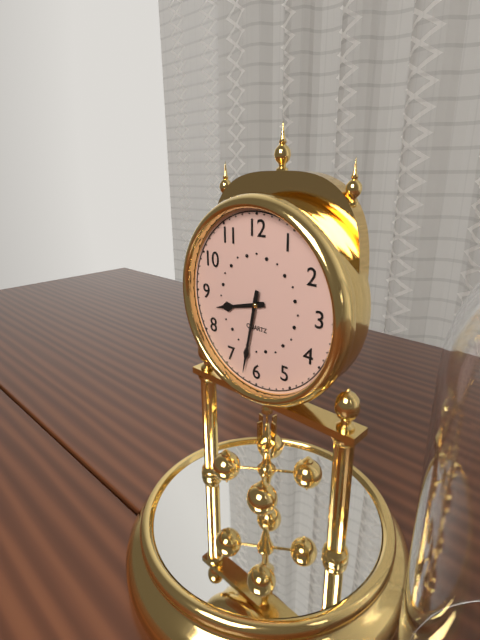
8:32
